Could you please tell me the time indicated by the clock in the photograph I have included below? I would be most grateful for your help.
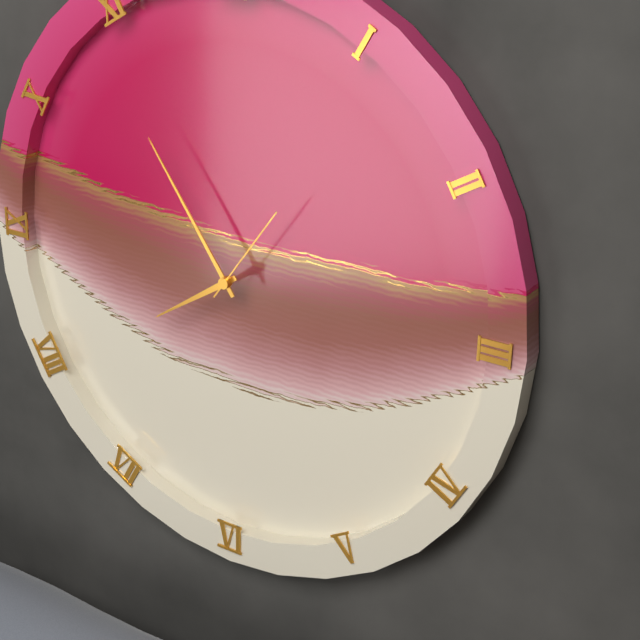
7:54:06
